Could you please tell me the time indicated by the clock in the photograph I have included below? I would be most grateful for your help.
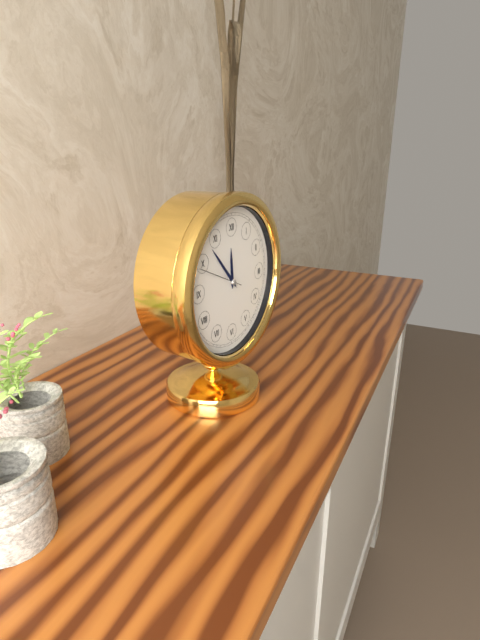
11:53
